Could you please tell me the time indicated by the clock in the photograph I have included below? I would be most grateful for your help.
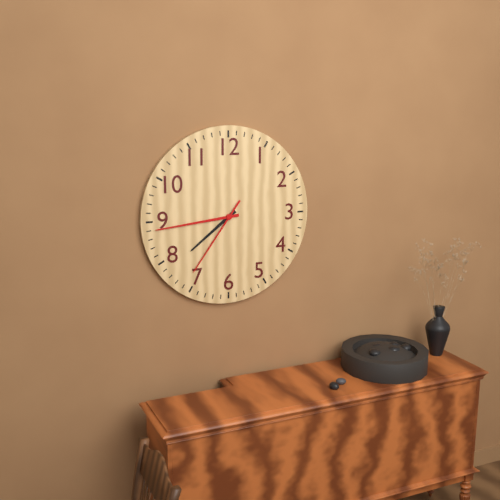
7:44:36
